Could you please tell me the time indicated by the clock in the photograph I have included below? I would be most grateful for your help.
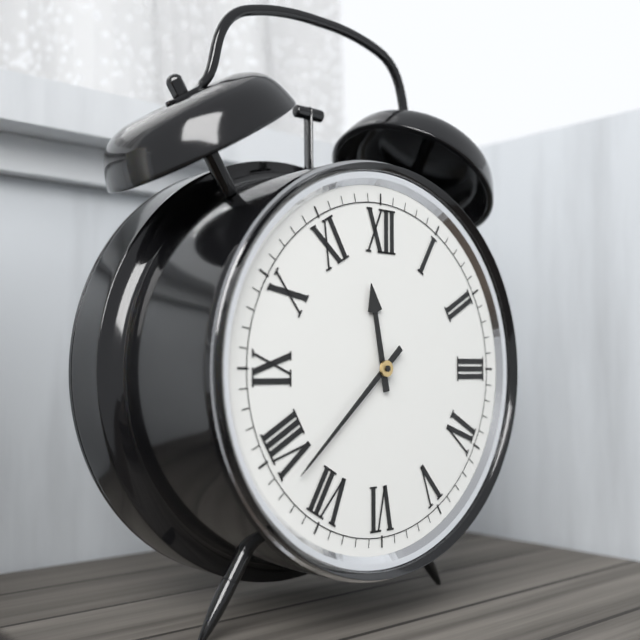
11:38
